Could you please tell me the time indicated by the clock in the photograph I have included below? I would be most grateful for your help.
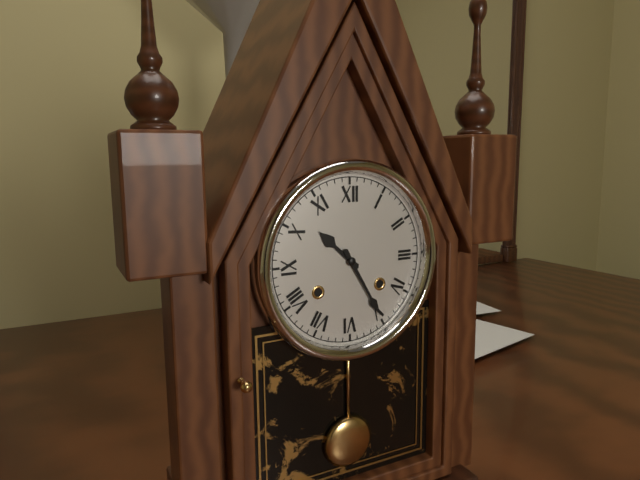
10:25
